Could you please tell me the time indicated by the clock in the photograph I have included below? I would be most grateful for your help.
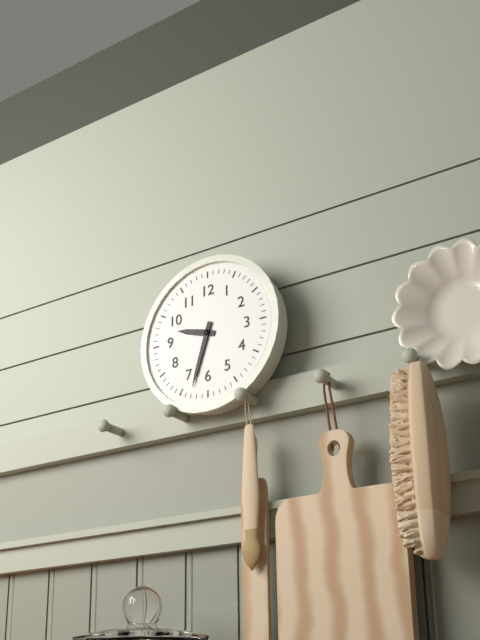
9:33
